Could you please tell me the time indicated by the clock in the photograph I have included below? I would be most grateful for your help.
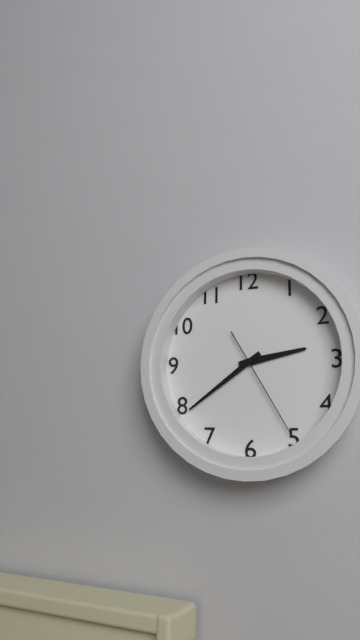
2:39:25
